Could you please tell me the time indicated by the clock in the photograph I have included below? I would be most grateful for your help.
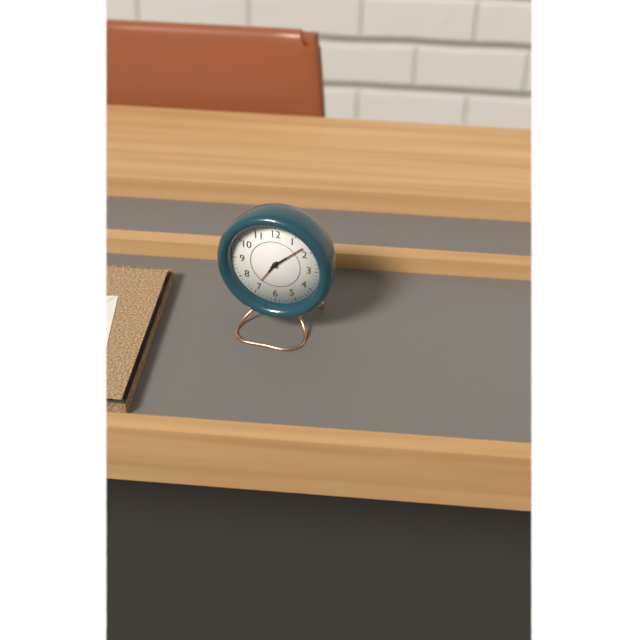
7:08
